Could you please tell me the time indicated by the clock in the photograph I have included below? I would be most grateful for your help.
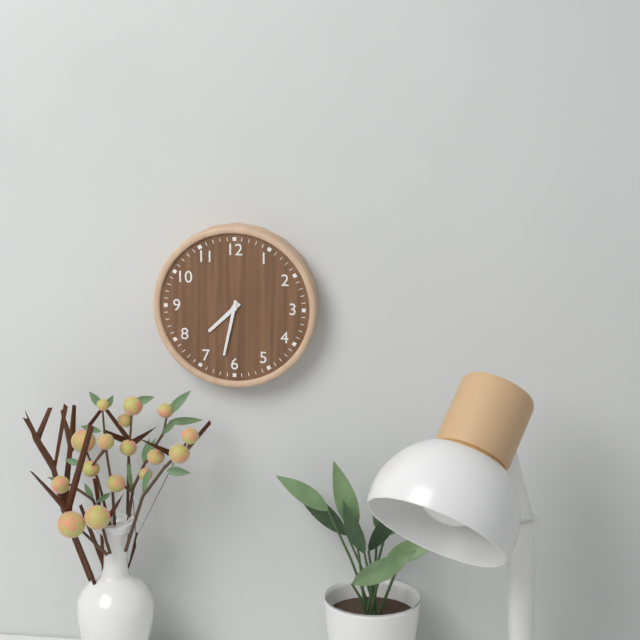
7:32
